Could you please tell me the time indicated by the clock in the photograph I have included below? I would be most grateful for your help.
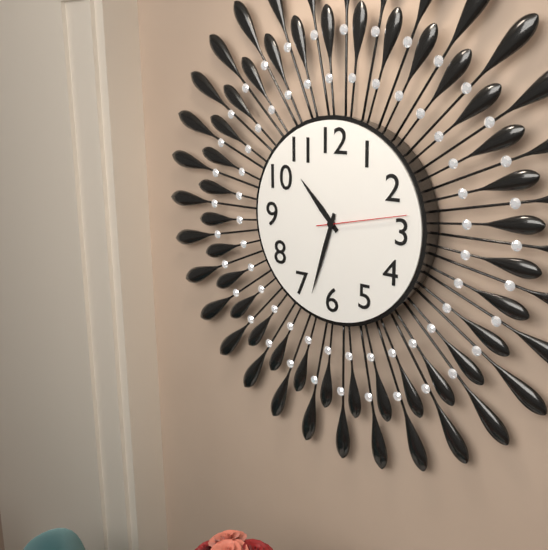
10:33:13
